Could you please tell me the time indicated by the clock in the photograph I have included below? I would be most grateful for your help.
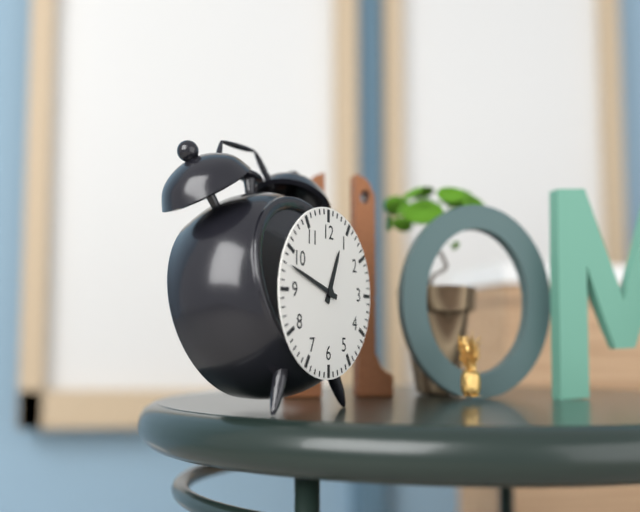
12:48
